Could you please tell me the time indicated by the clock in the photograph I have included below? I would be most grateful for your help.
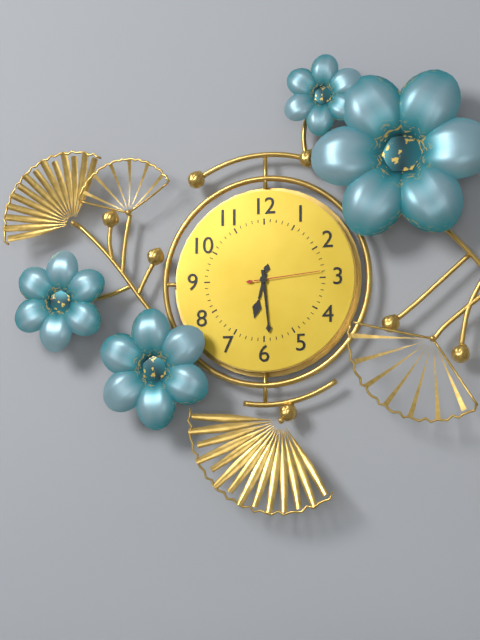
6:29:14
